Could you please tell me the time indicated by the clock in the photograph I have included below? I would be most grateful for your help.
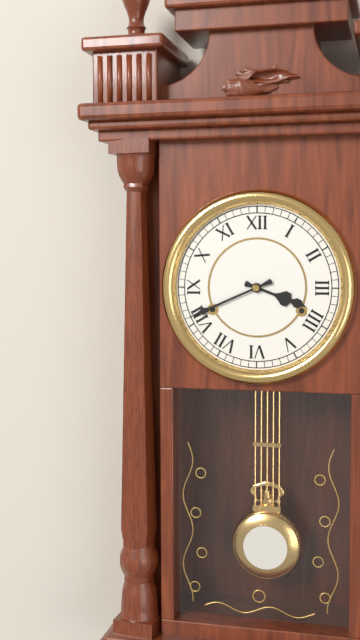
3:41
